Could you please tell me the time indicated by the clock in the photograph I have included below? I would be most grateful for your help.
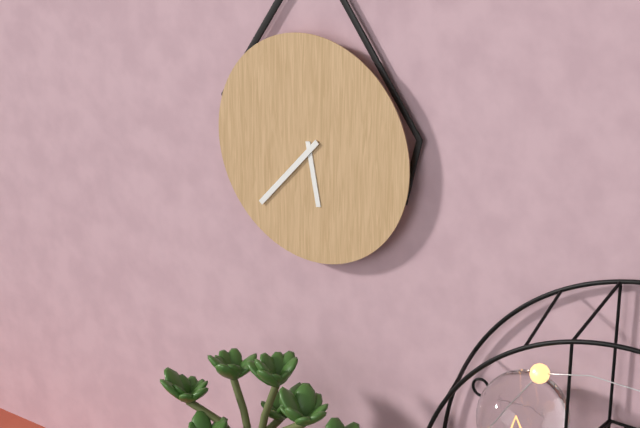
5:37
